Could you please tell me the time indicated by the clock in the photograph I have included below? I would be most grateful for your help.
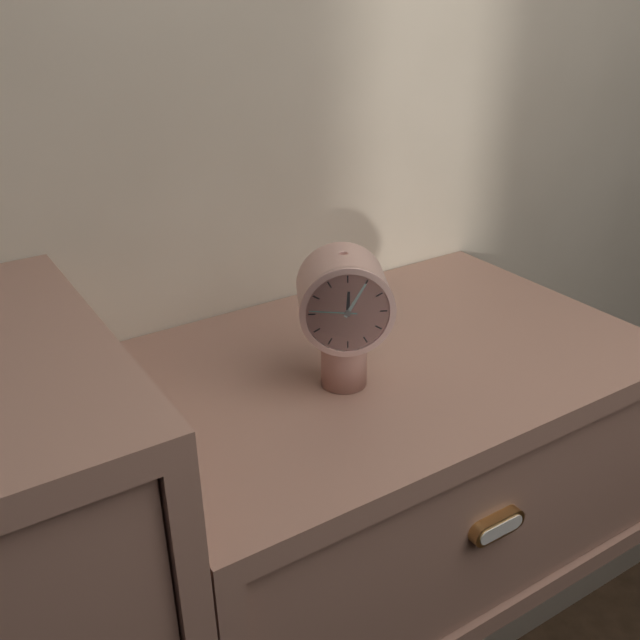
12:05
